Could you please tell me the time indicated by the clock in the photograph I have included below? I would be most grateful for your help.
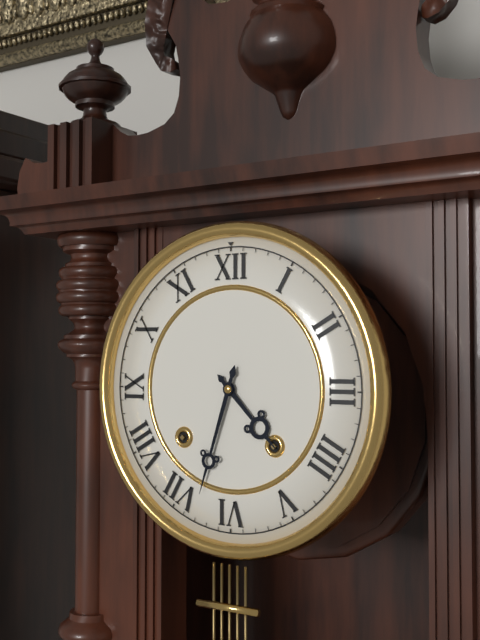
4:33
